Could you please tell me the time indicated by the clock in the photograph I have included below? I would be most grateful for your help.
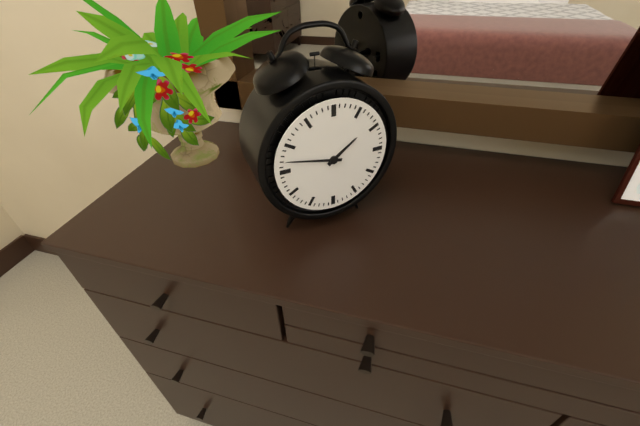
1:47
